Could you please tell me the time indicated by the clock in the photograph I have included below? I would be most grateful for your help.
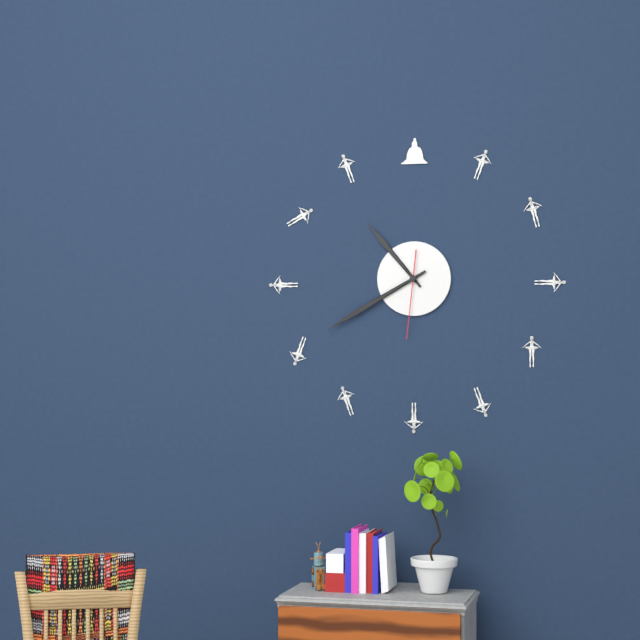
10:40:31
